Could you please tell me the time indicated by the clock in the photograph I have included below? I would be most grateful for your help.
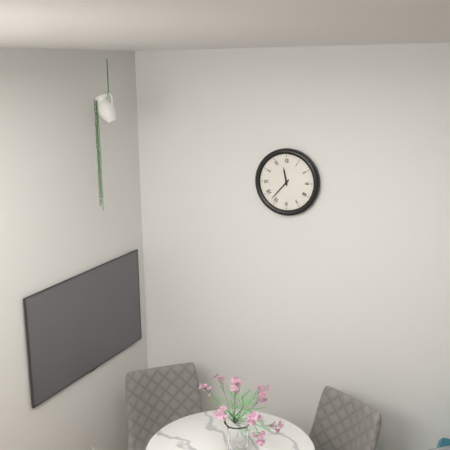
11:37
